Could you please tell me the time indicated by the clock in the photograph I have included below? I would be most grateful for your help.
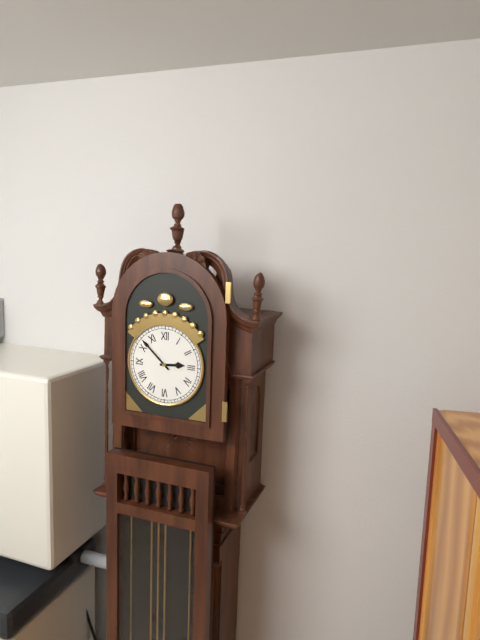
2:52
